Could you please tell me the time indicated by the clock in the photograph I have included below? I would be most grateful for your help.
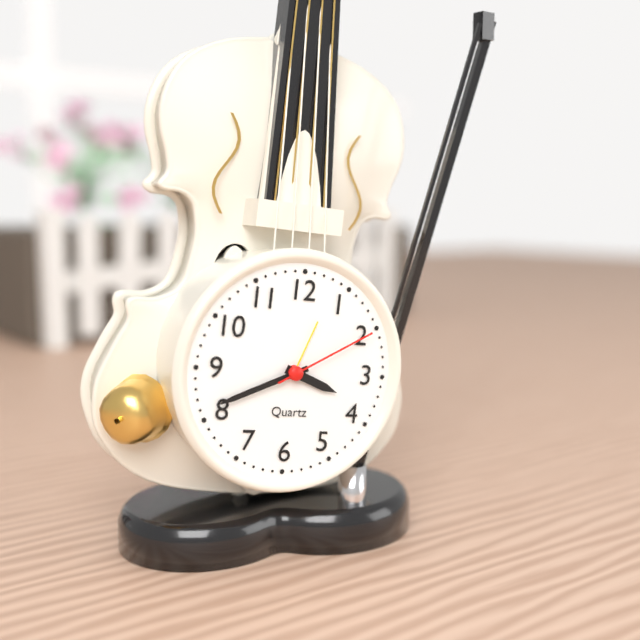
3:41:10
